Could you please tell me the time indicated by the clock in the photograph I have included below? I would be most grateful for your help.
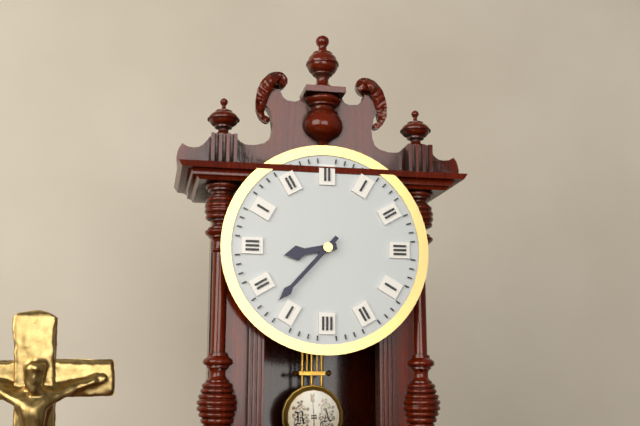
8:37
